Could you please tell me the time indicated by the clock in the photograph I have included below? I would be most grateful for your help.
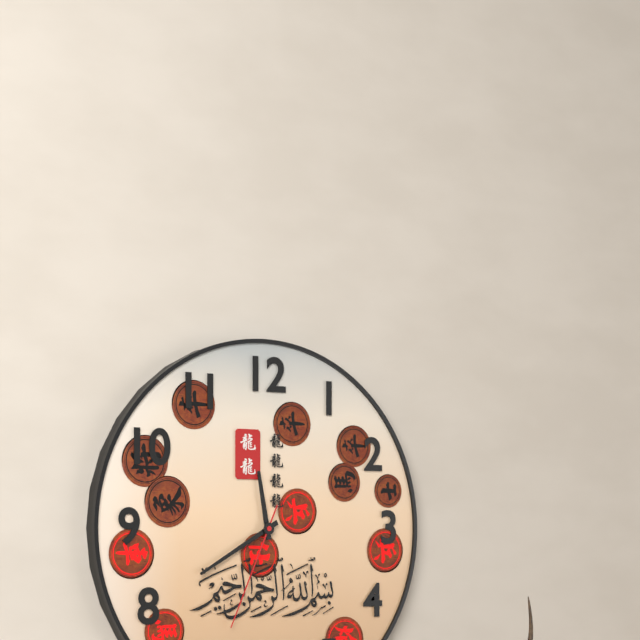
11:40:34
